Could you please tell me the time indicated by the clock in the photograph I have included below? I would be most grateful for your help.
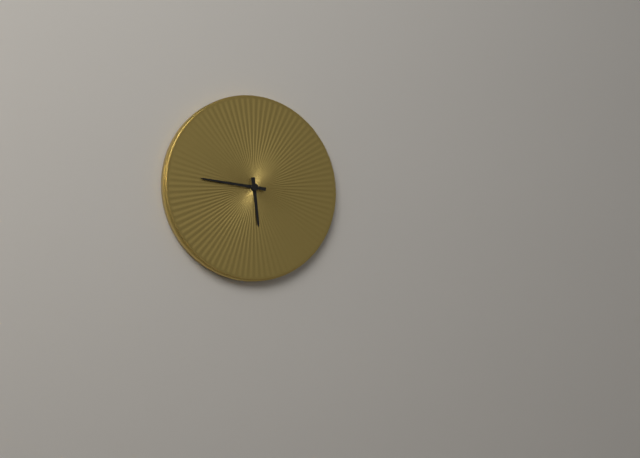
5:46
